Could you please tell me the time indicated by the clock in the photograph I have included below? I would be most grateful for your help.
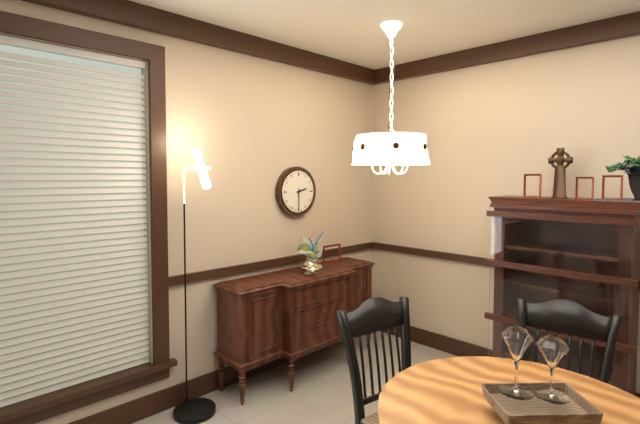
2:30
